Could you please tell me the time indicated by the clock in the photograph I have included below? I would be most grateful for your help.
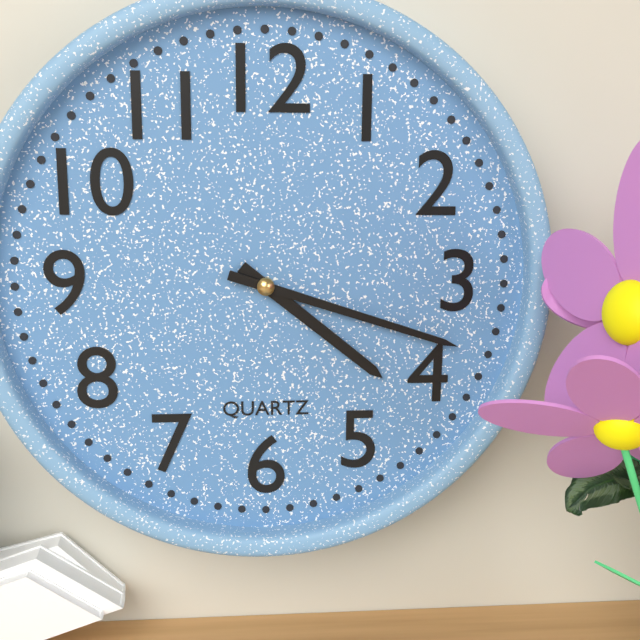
4:18
